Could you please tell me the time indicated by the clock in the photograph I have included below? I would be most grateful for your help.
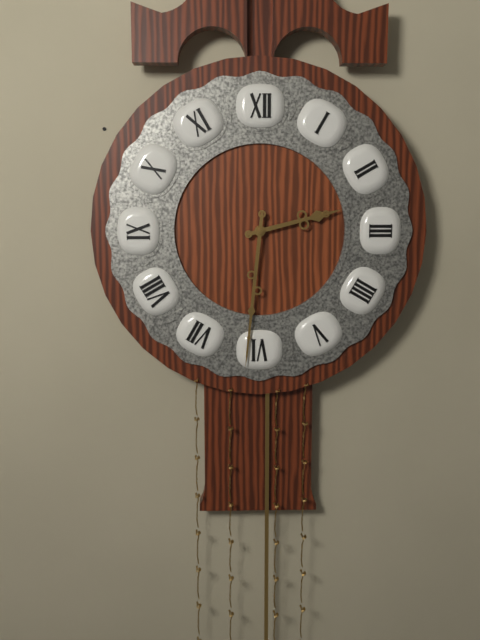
2:31
